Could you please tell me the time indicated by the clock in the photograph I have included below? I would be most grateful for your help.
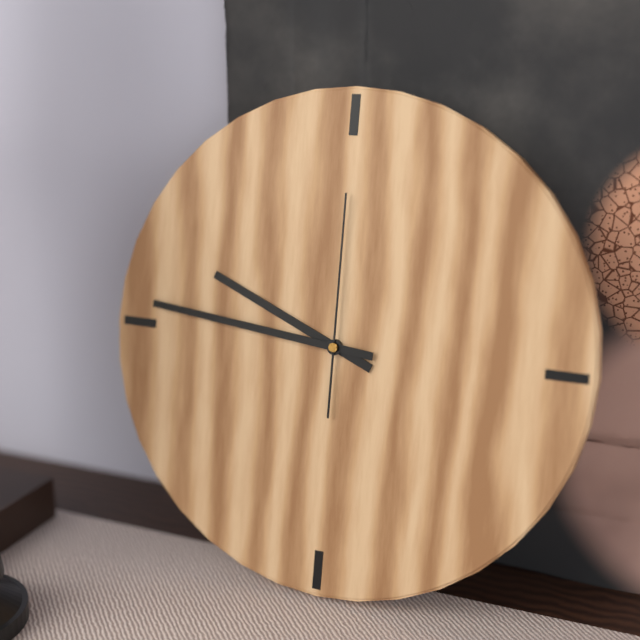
9:46:00
